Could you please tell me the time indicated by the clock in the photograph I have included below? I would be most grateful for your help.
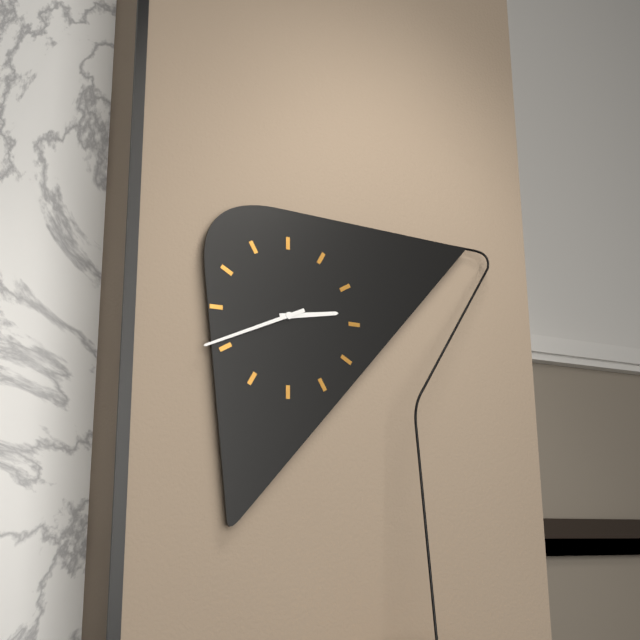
2:41
